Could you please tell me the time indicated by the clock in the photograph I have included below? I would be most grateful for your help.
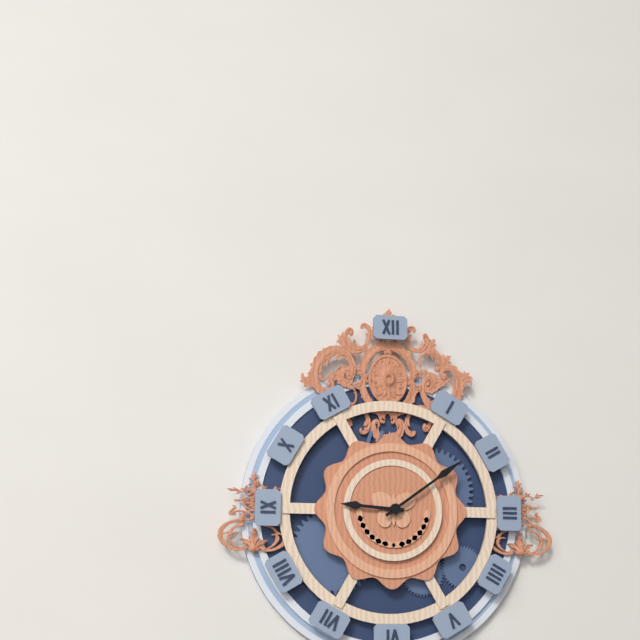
9:09
